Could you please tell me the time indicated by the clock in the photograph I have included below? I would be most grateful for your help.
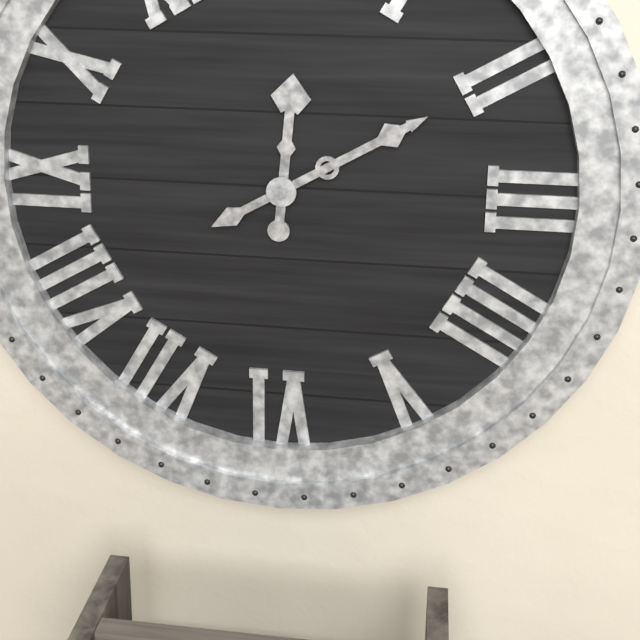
12:10
